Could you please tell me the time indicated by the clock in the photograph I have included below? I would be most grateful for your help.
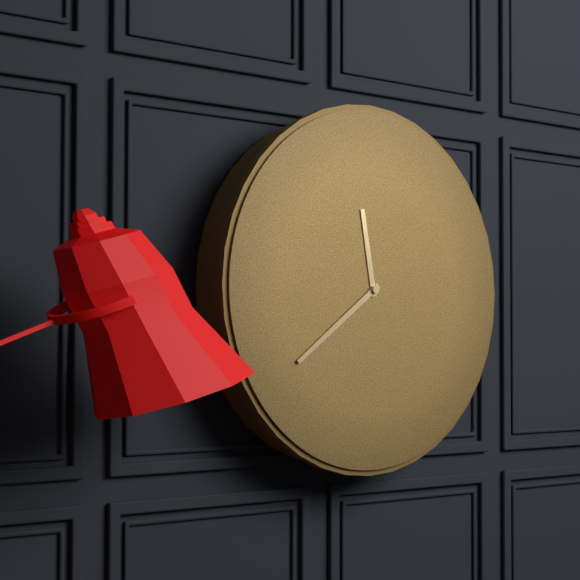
11:39
